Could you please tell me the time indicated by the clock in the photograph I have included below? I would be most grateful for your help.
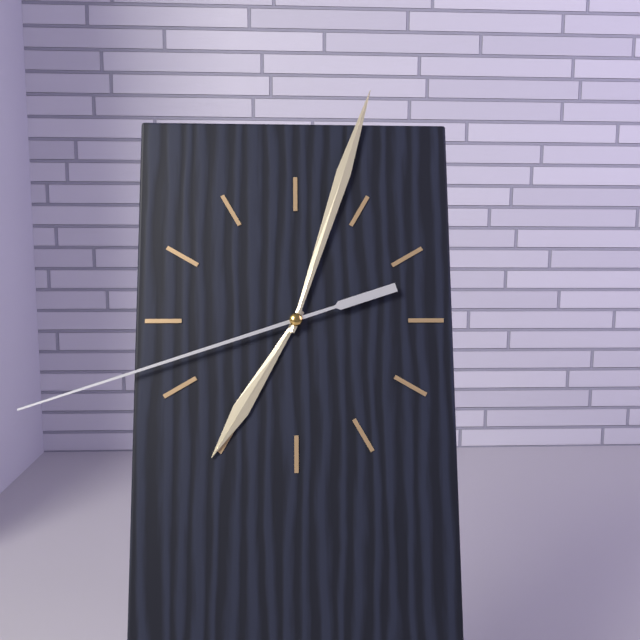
7:03:42
